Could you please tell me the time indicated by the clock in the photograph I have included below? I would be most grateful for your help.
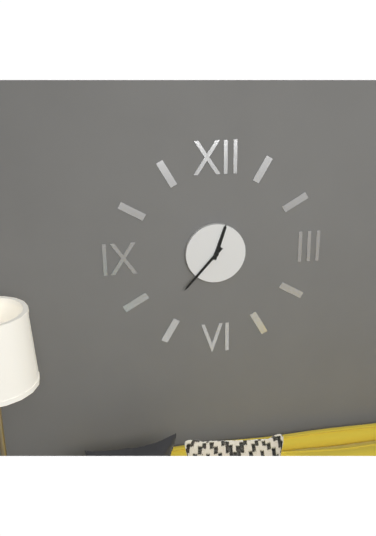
12:37
